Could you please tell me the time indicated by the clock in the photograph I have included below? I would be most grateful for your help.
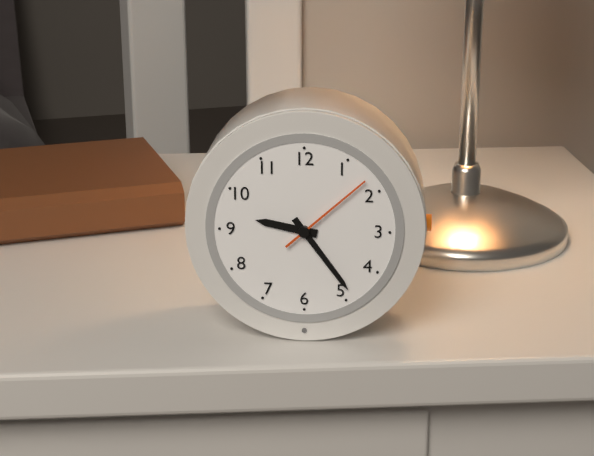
9:24:08
